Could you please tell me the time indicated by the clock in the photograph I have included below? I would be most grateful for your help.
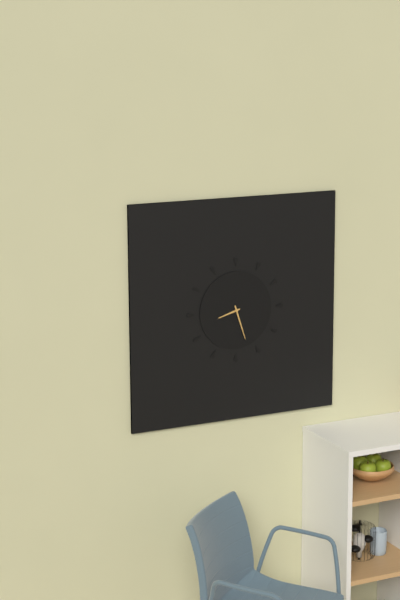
8:27
